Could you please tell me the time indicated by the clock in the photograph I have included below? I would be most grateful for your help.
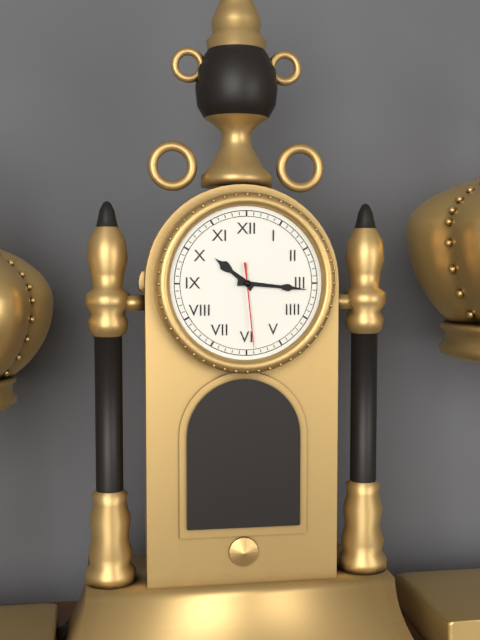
10:16:29
